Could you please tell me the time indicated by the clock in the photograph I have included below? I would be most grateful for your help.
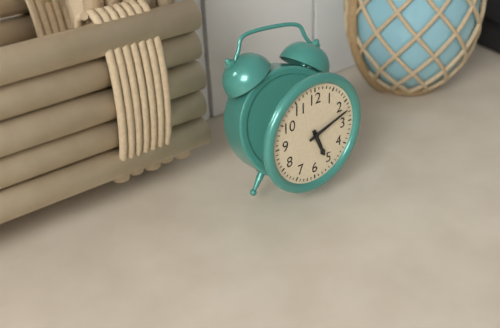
5:12
